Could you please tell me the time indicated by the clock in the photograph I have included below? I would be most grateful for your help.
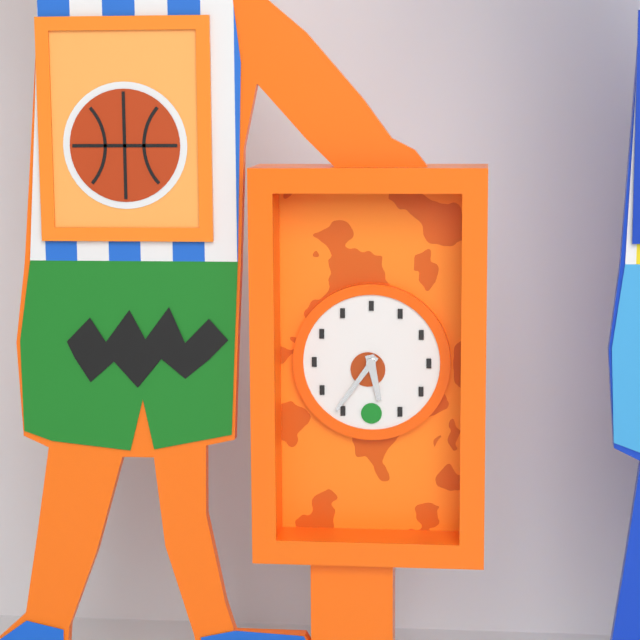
5:36
